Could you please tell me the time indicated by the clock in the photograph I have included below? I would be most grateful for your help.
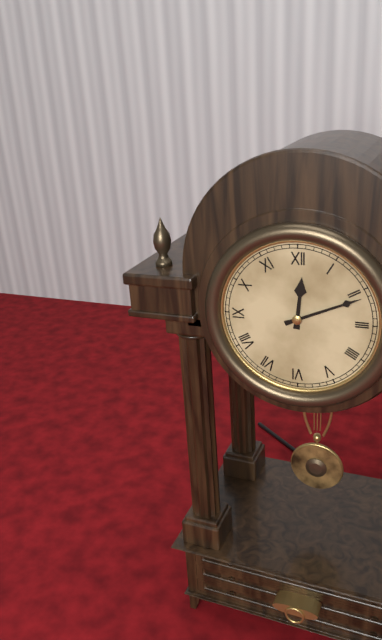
12:11
